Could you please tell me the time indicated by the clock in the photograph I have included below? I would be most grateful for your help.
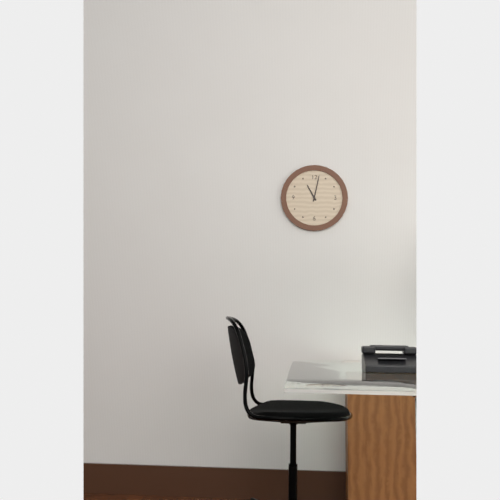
11:02
